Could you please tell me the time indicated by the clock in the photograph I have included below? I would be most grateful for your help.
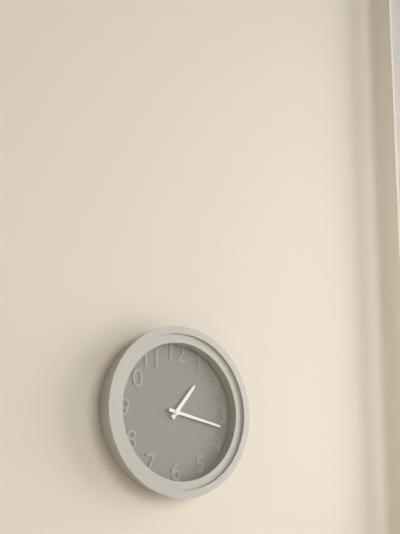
1:17
